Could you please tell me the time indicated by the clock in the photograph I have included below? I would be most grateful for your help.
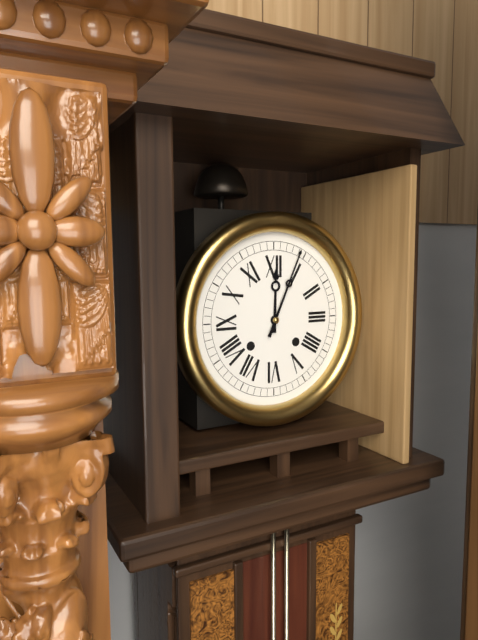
12:04
